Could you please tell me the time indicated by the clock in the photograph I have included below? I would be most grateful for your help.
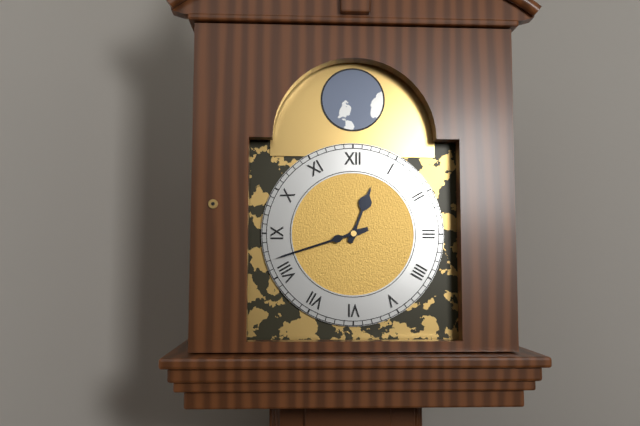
12:42
